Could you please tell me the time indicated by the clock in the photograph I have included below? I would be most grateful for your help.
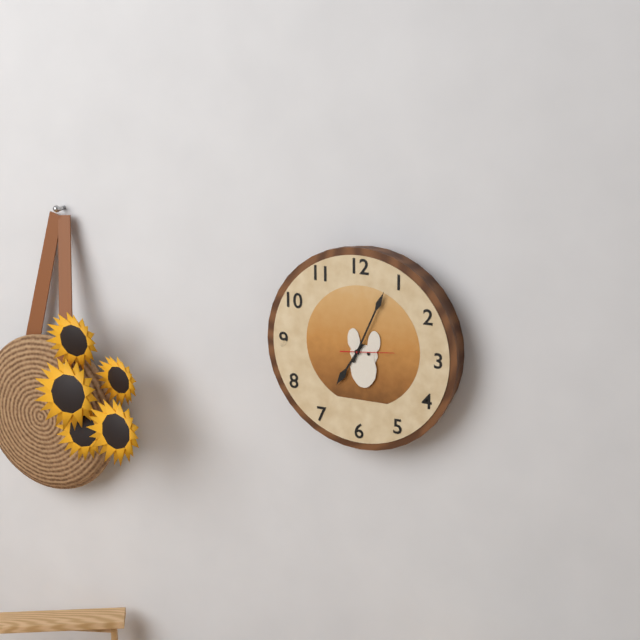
7:04
